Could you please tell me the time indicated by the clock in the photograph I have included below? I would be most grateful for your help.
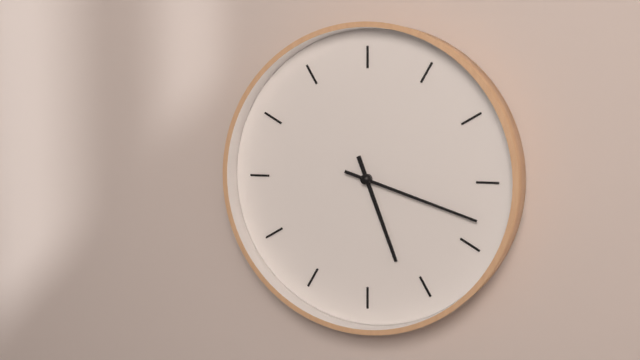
5:18
